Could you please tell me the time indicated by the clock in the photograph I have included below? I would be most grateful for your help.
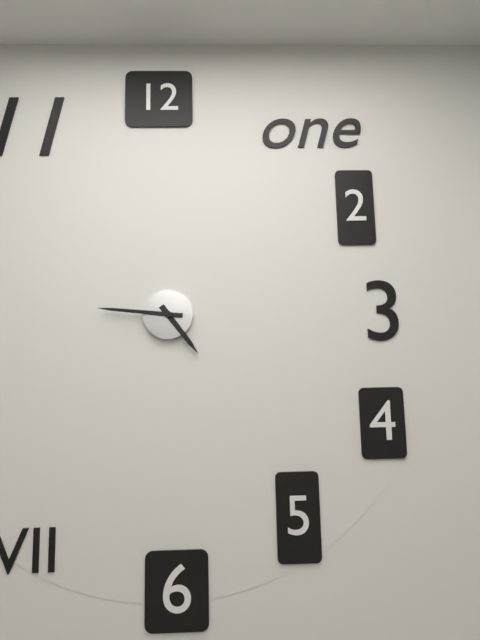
4:46
